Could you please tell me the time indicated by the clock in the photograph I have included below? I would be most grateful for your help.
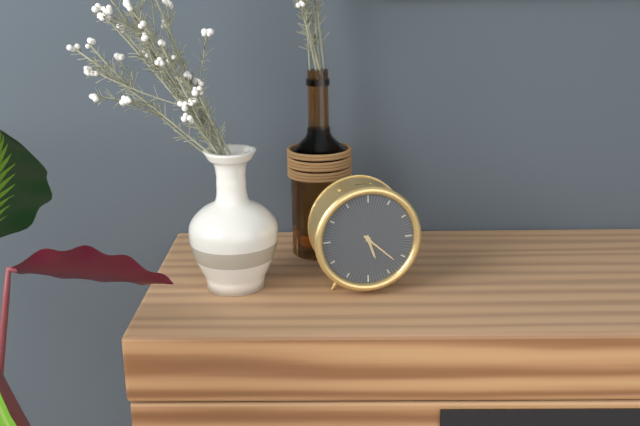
5:22
